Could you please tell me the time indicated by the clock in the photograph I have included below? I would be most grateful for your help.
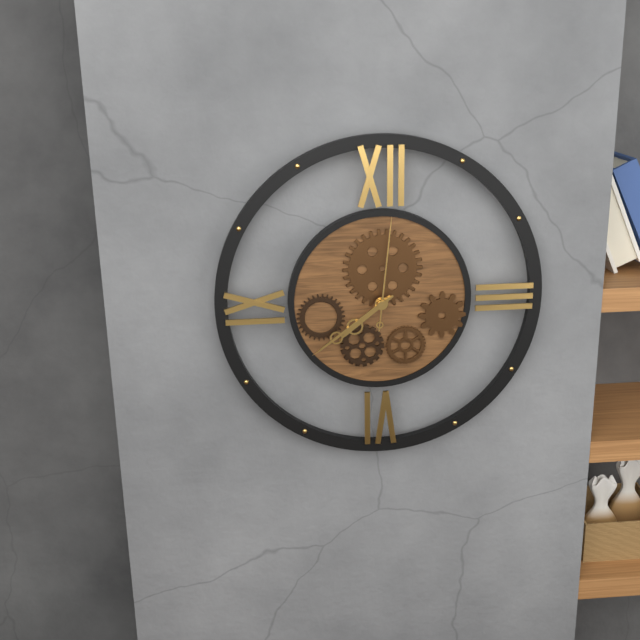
7:39:01
